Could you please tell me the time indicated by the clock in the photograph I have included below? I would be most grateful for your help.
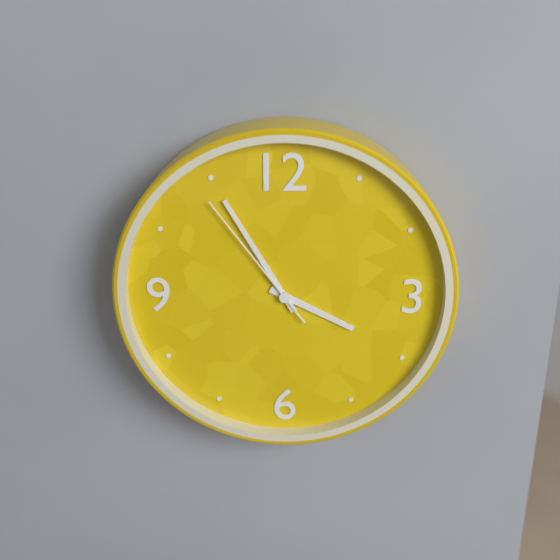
3:55:54
